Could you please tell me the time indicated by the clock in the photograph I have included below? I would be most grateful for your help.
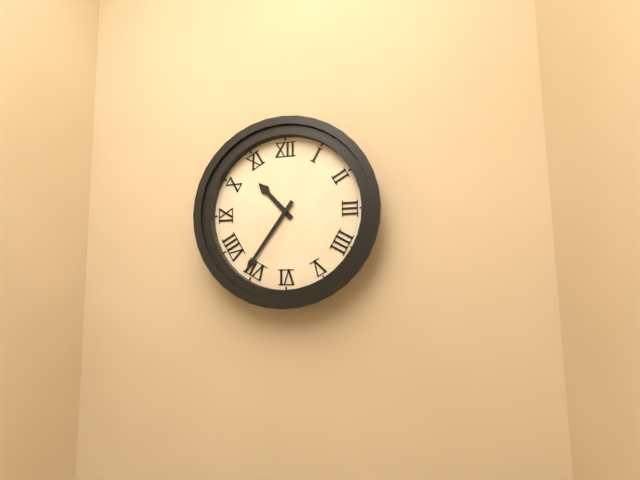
10:36
